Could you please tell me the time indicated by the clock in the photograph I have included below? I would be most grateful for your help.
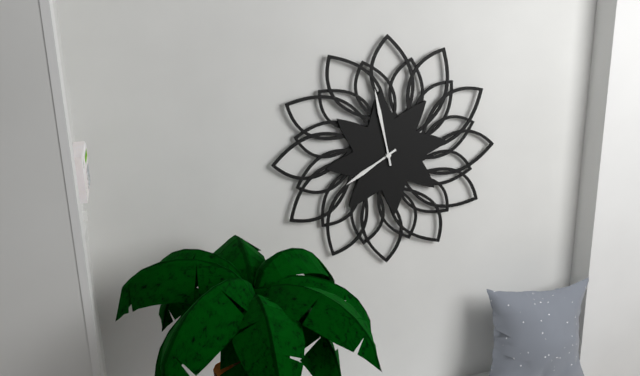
7:58
